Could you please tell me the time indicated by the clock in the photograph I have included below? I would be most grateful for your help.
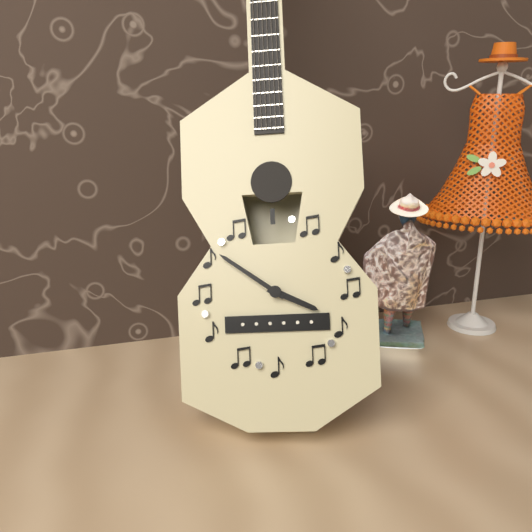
3:51
